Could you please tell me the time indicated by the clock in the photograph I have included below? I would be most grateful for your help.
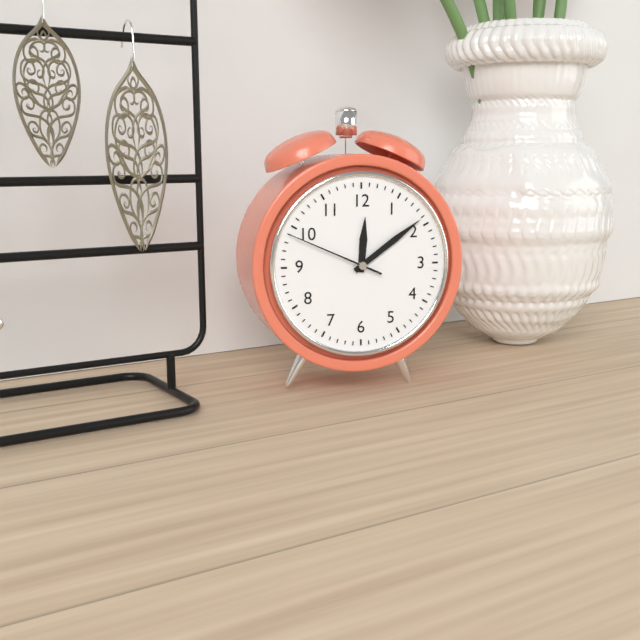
12:09:49
